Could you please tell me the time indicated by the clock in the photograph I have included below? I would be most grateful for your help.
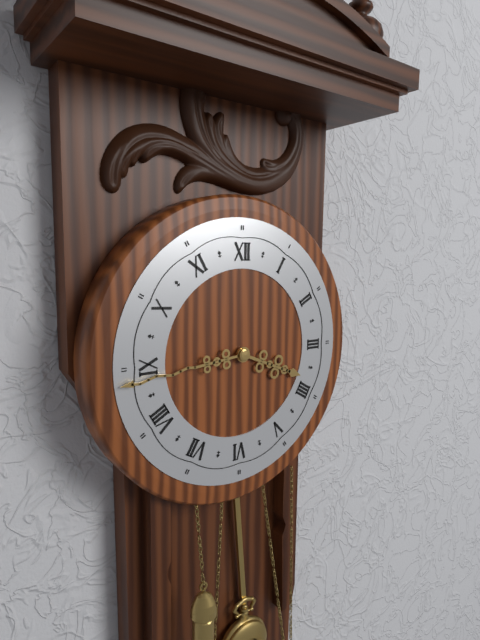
3:44
